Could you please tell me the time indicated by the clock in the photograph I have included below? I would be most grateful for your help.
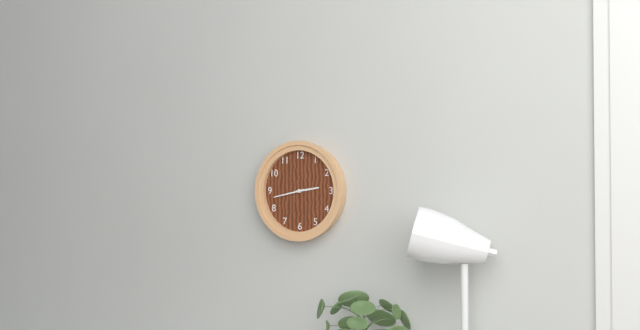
2:43
